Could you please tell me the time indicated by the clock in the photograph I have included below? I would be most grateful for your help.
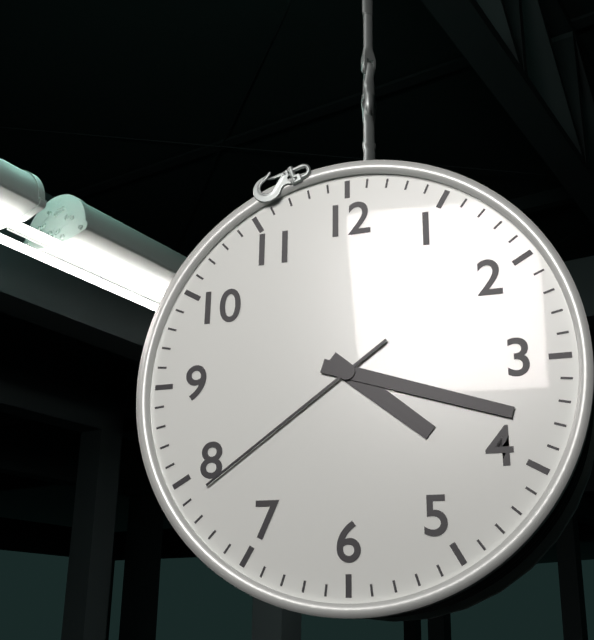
4:18:39
